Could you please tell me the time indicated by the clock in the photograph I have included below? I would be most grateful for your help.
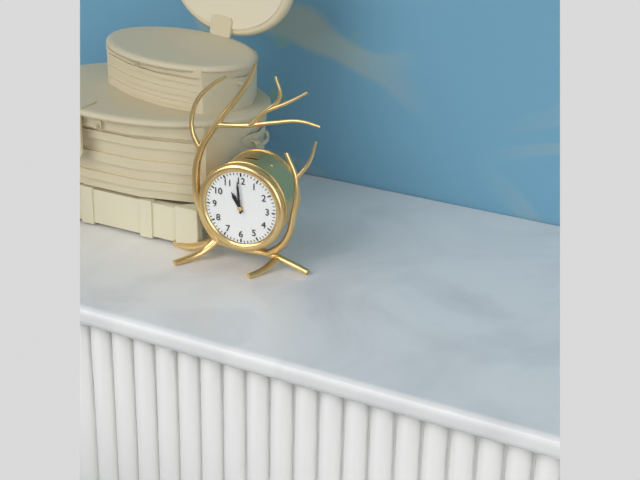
10:59
